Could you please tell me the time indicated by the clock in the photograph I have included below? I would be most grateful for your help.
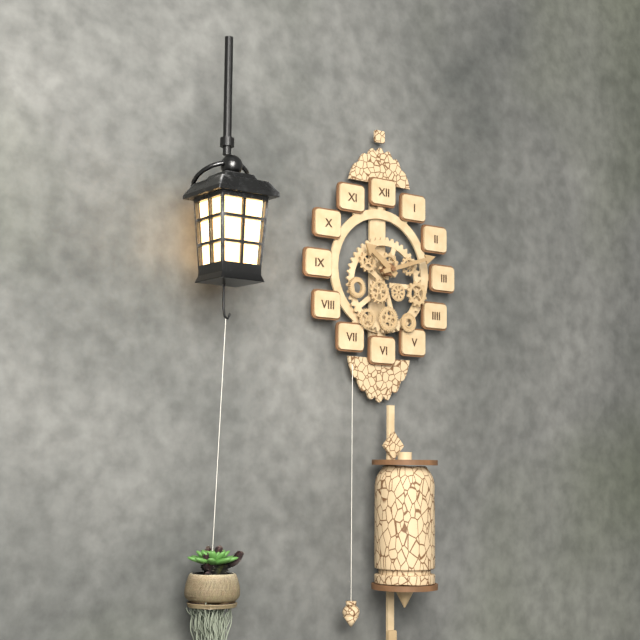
10:12
